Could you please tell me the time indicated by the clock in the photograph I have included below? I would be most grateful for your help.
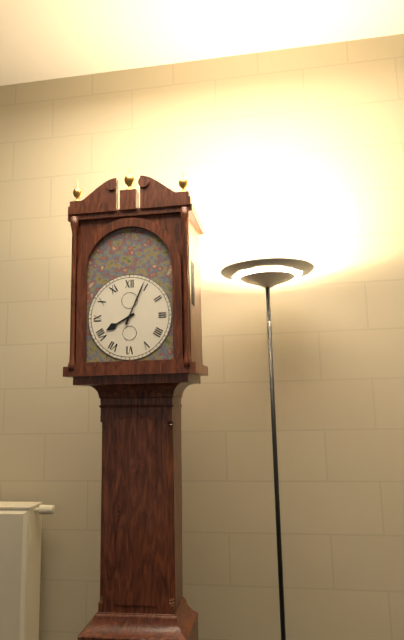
8:04
